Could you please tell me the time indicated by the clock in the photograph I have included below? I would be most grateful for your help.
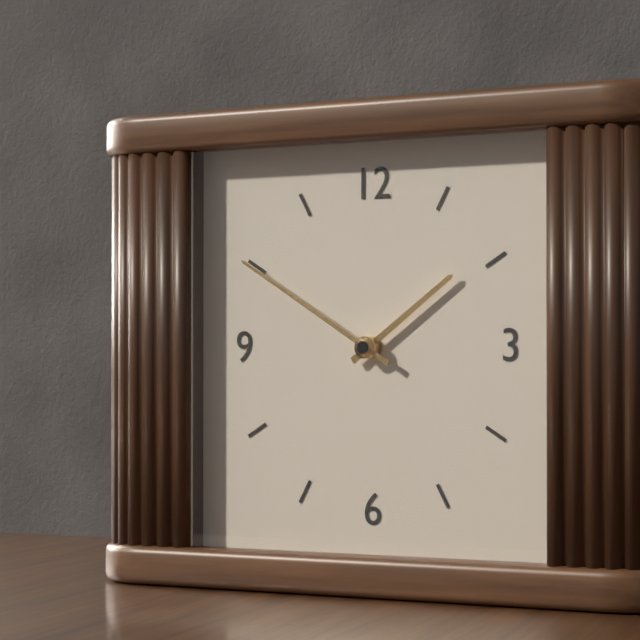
1:50
